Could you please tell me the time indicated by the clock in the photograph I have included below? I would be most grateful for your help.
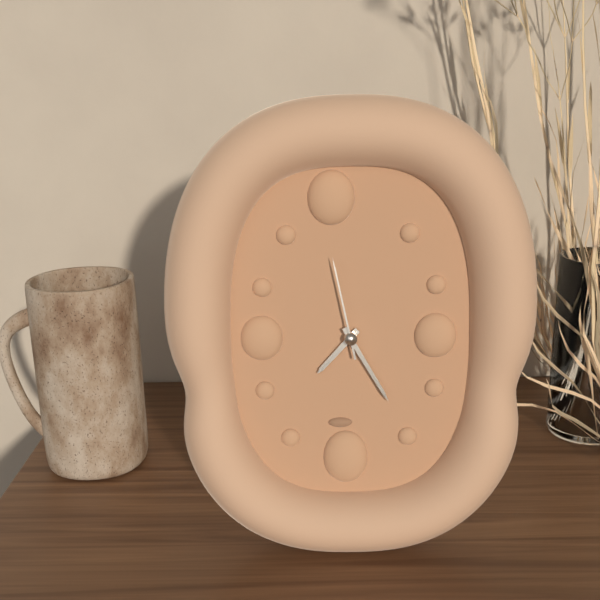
7:25:58
